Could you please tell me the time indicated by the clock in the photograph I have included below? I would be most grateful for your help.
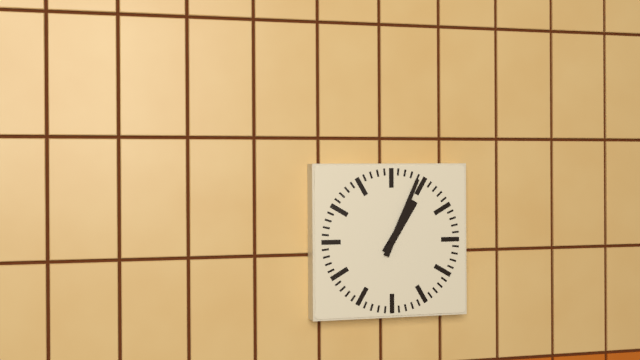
1:04
